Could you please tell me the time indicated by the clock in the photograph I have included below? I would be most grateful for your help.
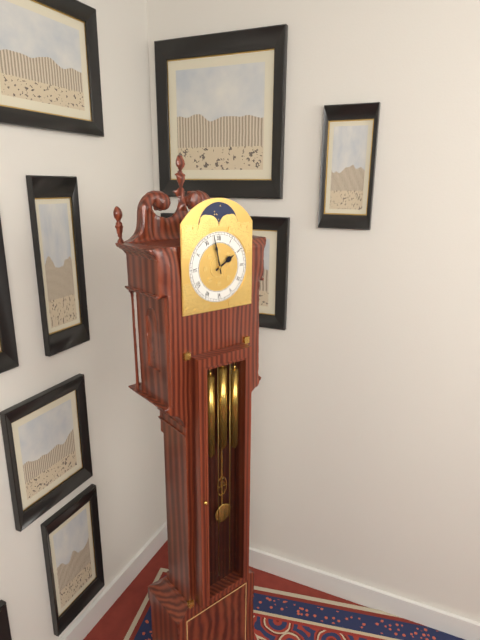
1:58
